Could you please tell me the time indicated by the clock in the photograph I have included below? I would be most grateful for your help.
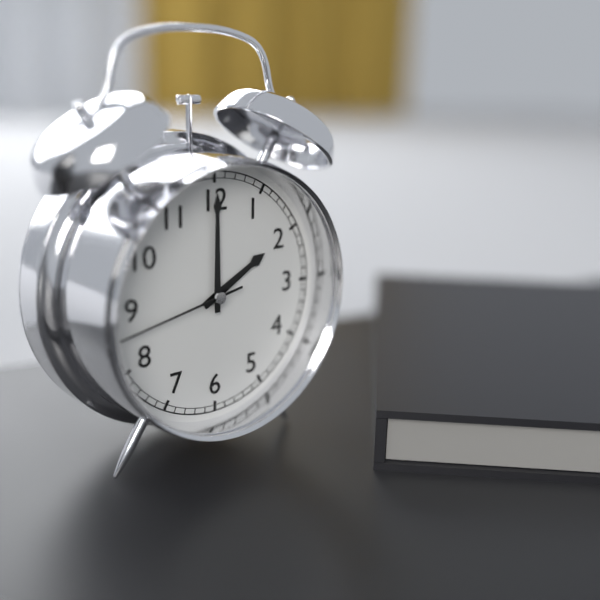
2:00:43
